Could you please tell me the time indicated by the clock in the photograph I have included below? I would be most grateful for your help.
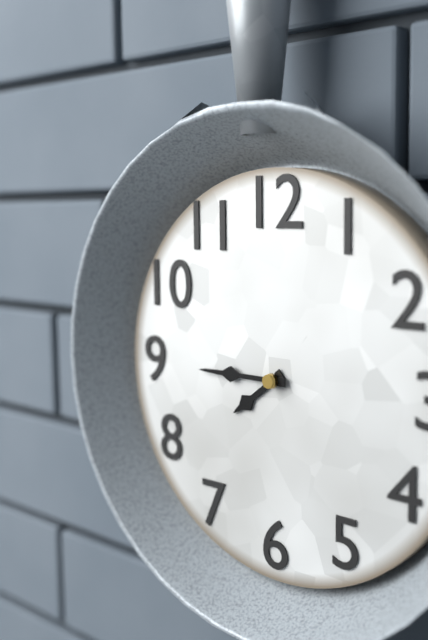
7:45
